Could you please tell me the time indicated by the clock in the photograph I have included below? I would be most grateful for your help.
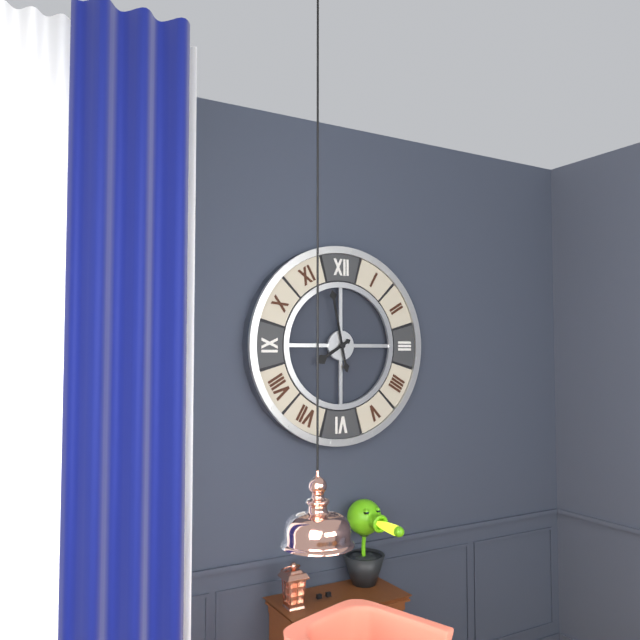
7:58
